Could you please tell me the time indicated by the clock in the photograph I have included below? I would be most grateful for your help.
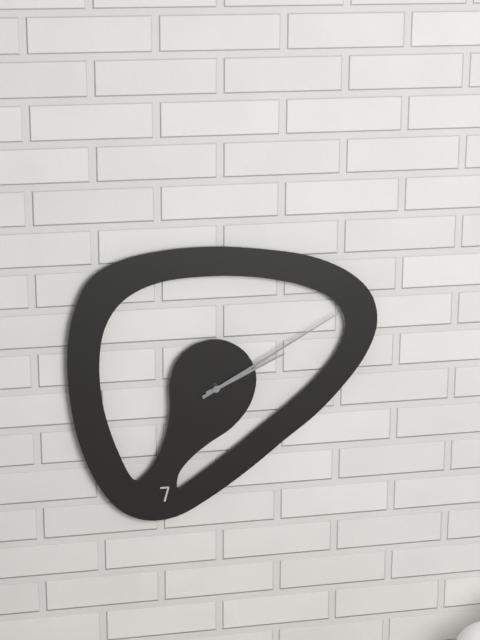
2:10
